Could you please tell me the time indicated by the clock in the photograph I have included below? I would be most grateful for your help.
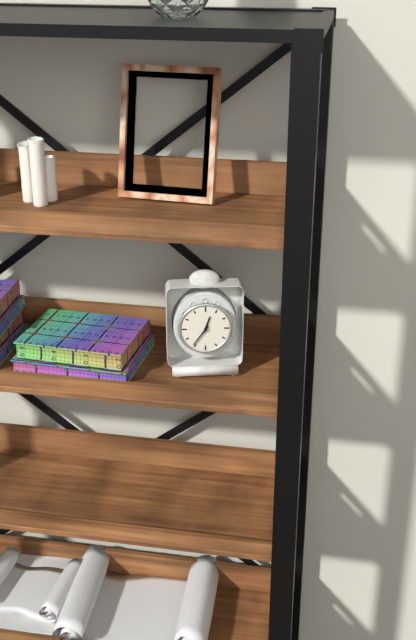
12:36
